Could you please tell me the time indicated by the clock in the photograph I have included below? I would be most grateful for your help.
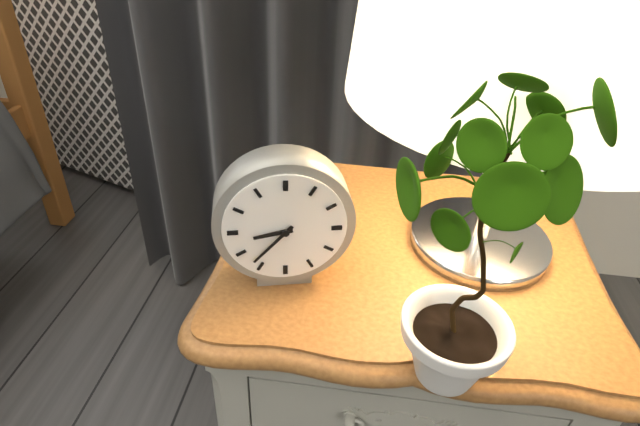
8:37
